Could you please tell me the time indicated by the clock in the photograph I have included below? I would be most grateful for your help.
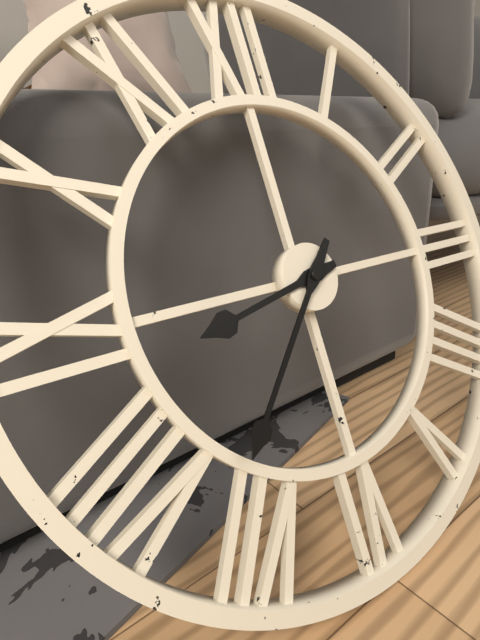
8:37
